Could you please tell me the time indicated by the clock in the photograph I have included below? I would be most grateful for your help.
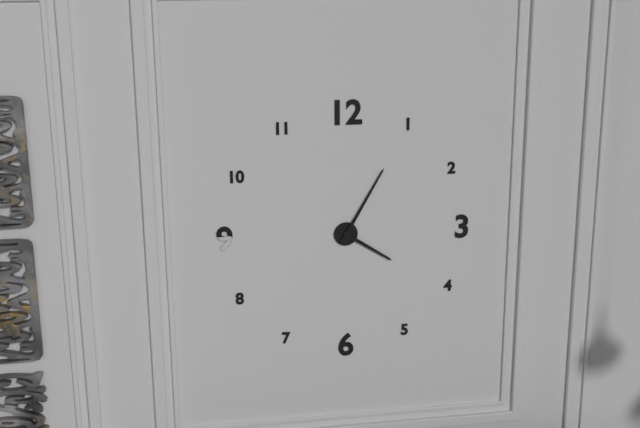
4:05
